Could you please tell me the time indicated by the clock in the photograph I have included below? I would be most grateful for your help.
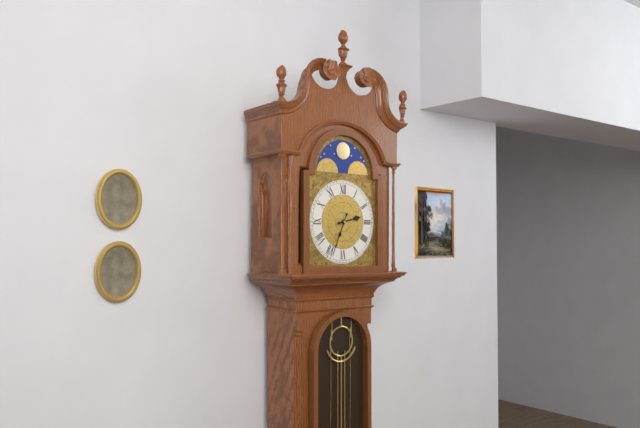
2:34
